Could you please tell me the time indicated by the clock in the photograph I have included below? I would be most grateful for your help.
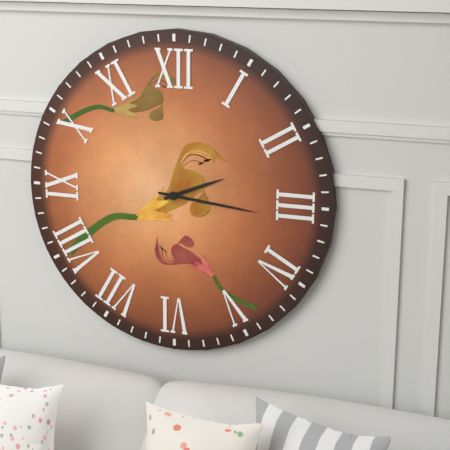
2:16
